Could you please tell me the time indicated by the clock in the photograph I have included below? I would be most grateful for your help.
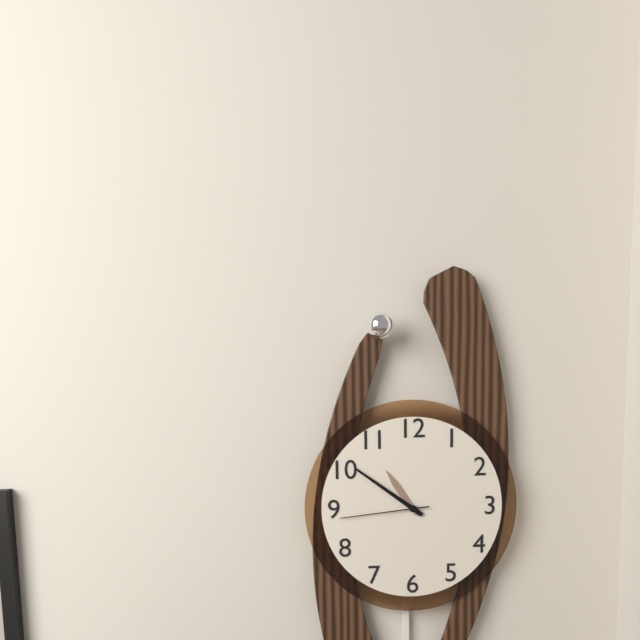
10:51:44
